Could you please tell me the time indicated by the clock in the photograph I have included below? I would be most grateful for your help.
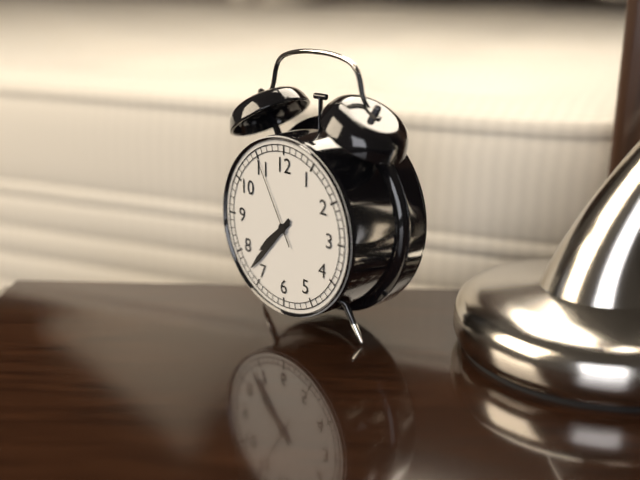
7:37:55
